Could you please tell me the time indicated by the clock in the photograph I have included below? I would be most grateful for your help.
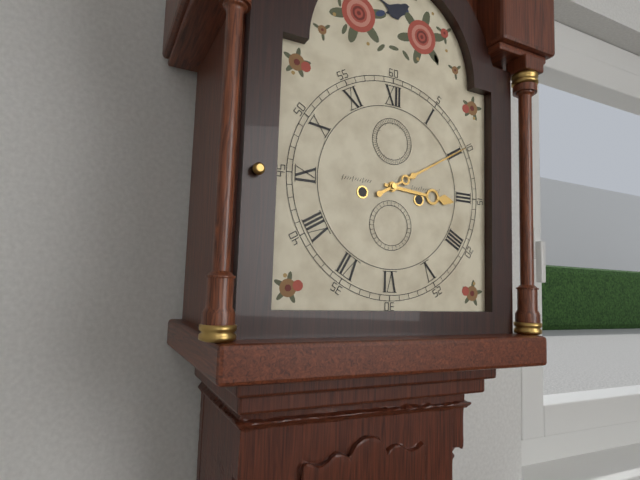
3:10
